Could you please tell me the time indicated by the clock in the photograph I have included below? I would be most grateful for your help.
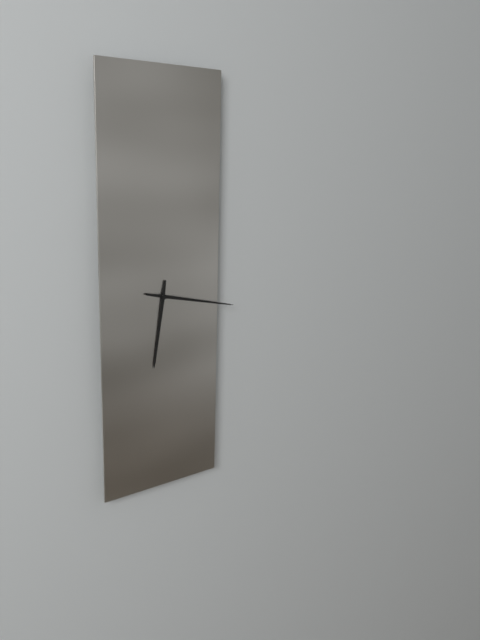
6:17
